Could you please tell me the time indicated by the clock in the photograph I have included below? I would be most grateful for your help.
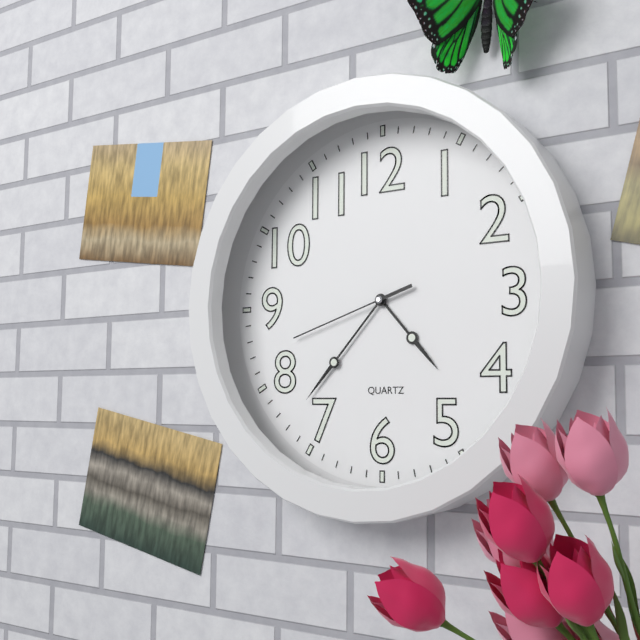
4:37:42
